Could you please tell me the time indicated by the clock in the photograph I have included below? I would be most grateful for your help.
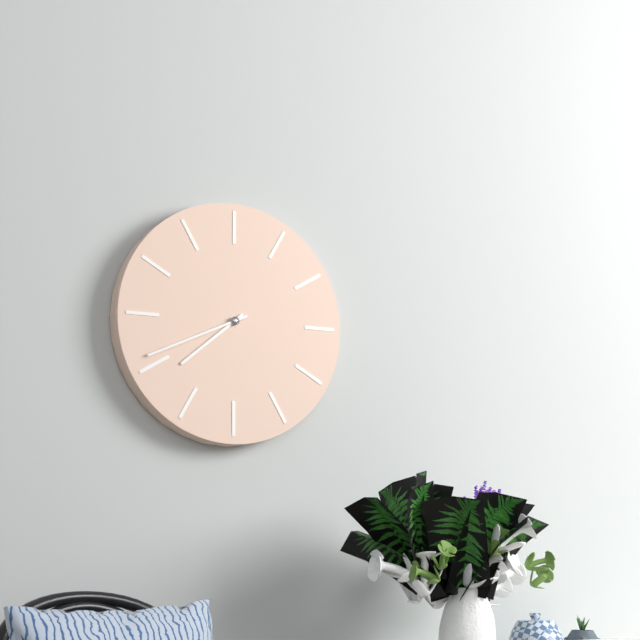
7:41
